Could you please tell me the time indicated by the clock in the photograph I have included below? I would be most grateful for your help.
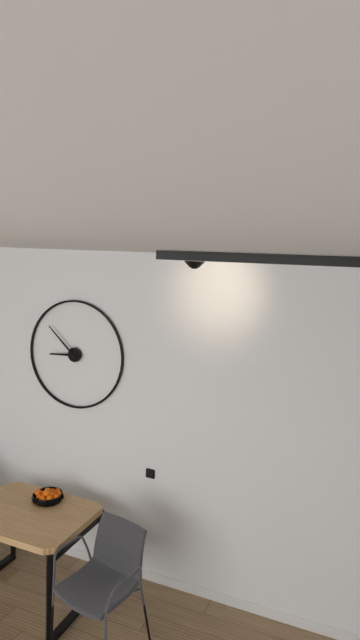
8:52
